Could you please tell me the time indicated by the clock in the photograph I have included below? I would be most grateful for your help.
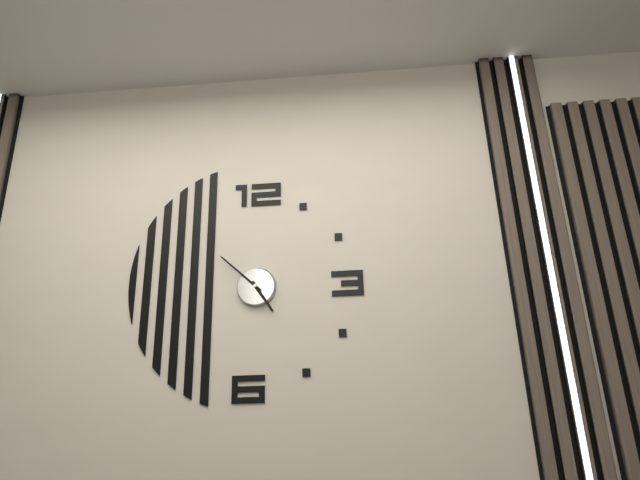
4:52
